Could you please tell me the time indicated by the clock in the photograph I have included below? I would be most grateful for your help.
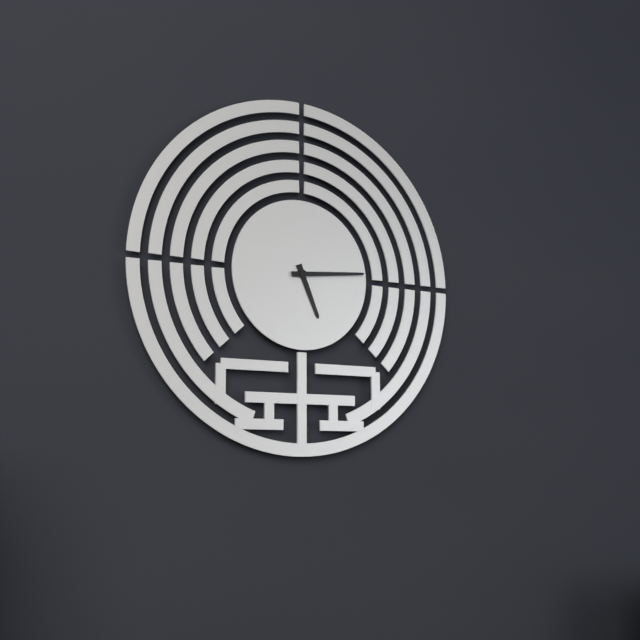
5:14
